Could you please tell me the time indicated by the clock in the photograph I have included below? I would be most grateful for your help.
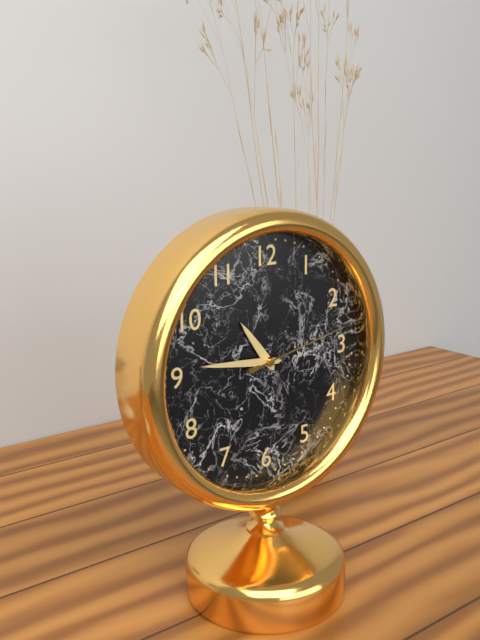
10:46:13
